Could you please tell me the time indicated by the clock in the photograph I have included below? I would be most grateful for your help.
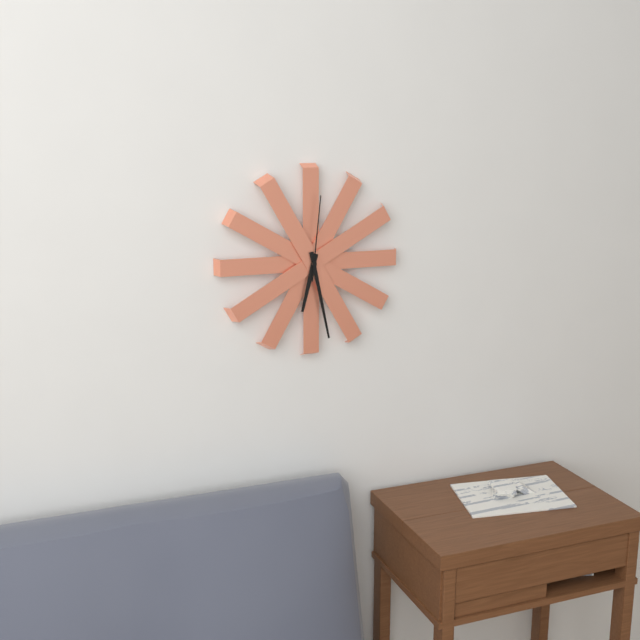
6:28:01
